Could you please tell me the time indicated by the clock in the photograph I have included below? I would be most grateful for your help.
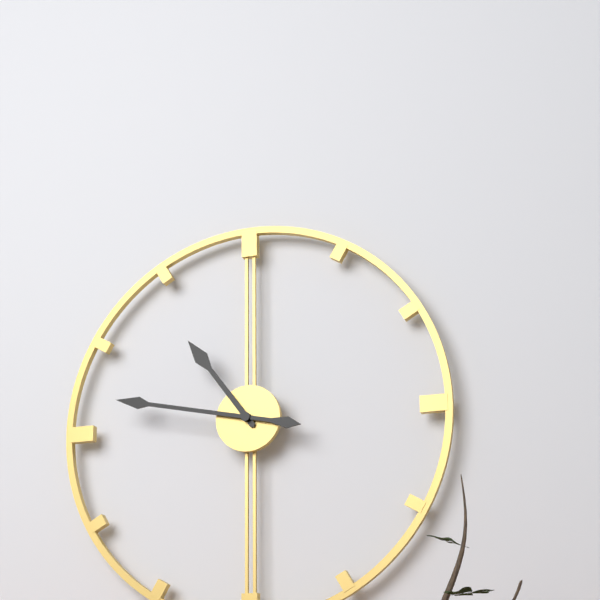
10:47
